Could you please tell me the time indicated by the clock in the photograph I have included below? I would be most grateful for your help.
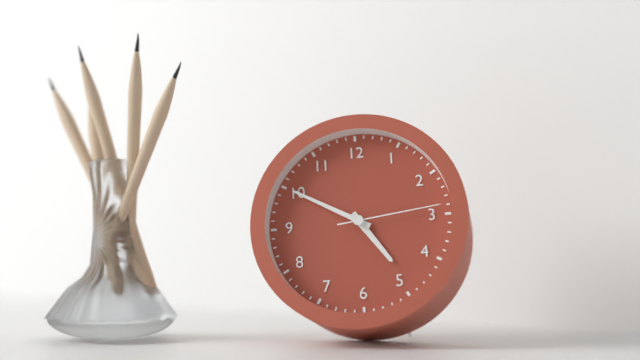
4:50:14
